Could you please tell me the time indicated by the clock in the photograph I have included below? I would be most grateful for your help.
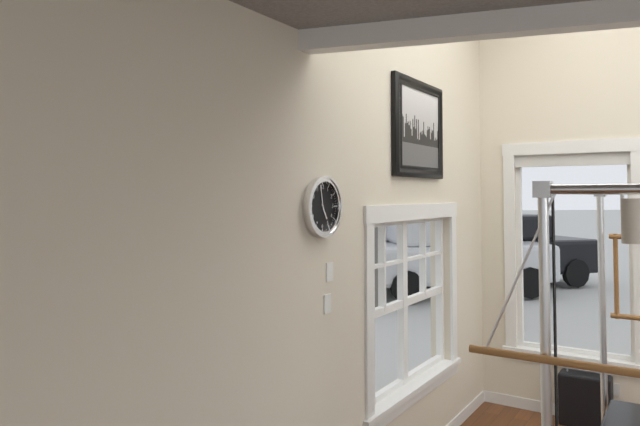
4:58
